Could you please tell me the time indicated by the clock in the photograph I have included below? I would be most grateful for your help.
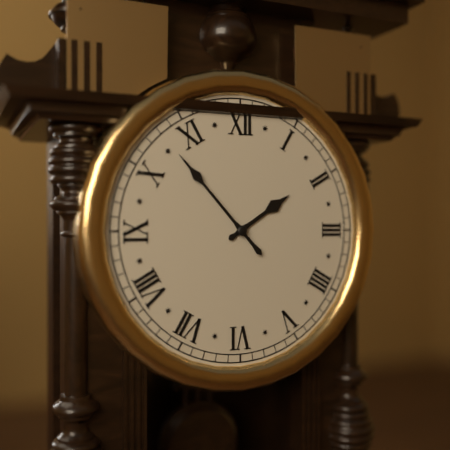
1:53
